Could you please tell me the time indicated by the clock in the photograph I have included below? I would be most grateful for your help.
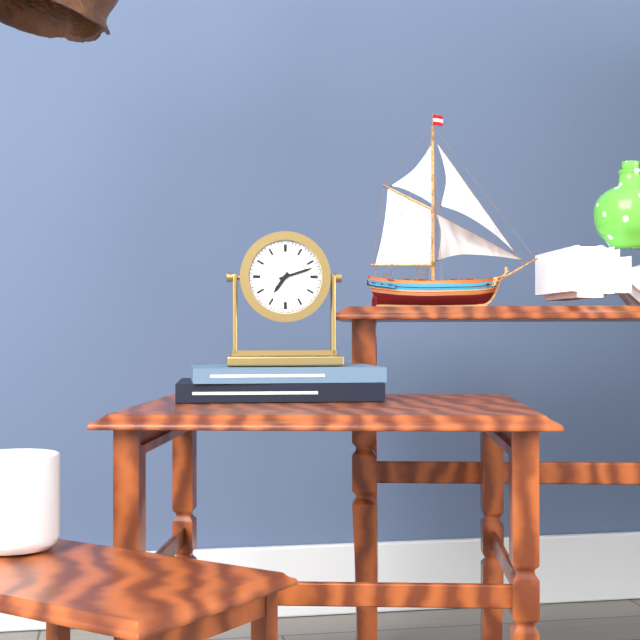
7:12
